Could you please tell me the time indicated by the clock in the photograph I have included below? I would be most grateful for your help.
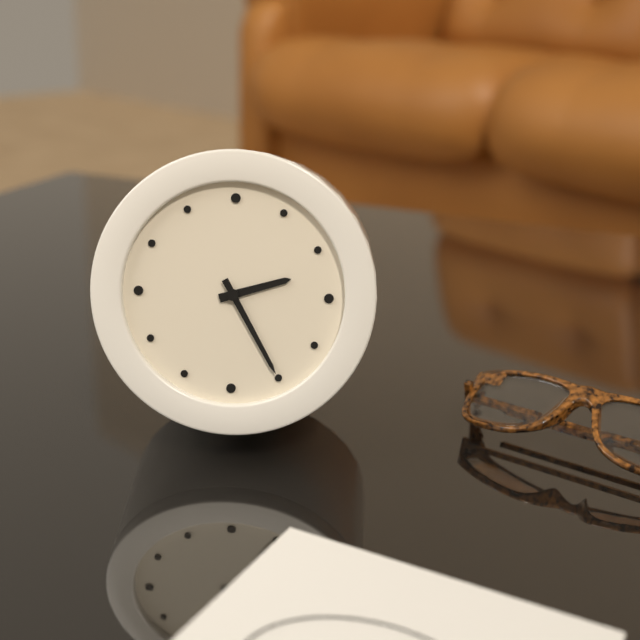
2:25
